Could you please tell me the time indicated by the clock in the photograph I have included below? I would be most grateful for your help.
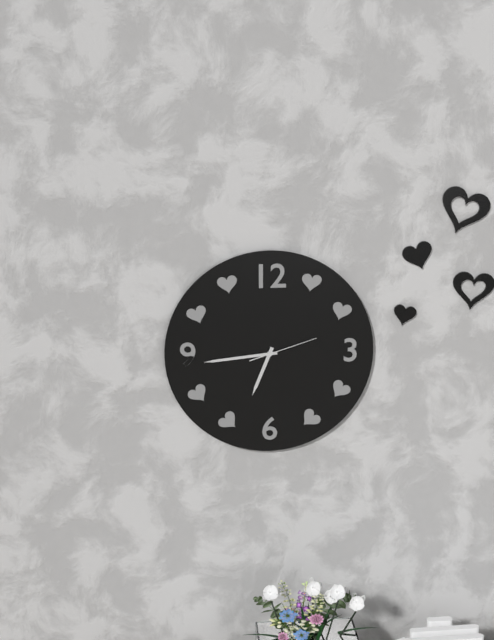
6:44:12
